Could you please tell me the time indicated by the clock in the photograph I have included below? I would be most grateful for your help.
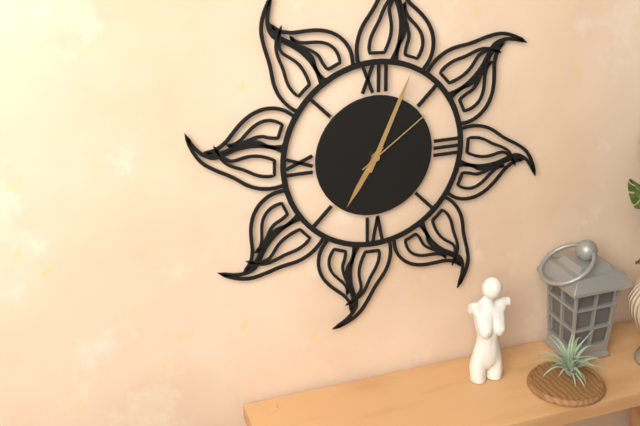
7:04:09
